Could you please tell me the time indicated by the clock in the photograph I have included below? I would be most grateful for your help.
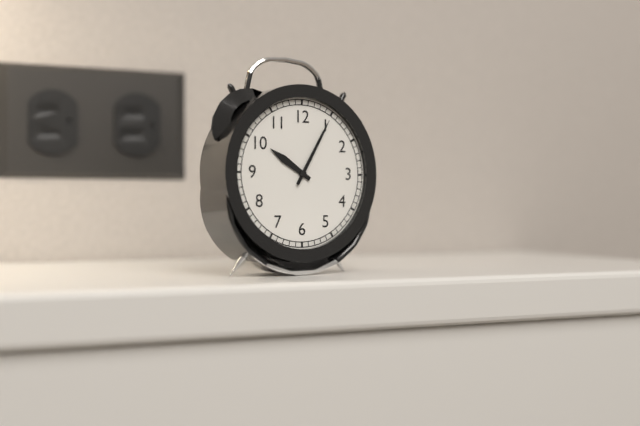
10:05
